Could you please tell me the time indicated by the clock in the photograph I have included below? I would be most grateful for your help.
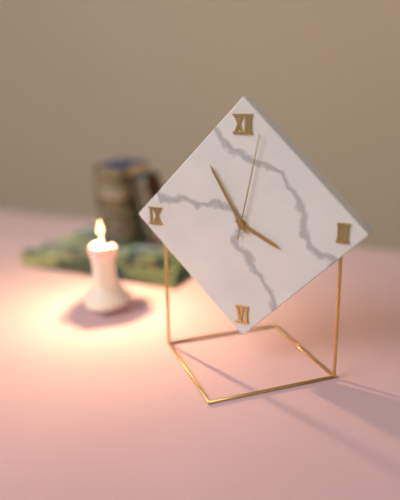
3:55:02
